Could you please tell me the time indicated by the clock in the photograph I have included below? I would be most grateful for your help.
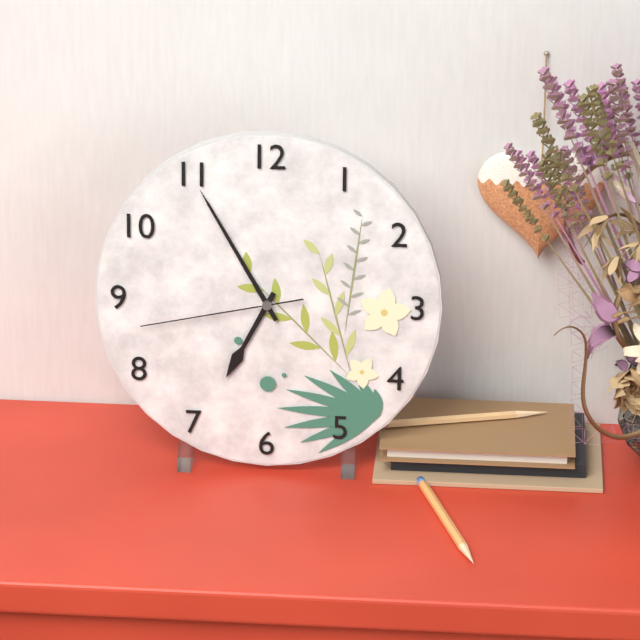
6:55:43
